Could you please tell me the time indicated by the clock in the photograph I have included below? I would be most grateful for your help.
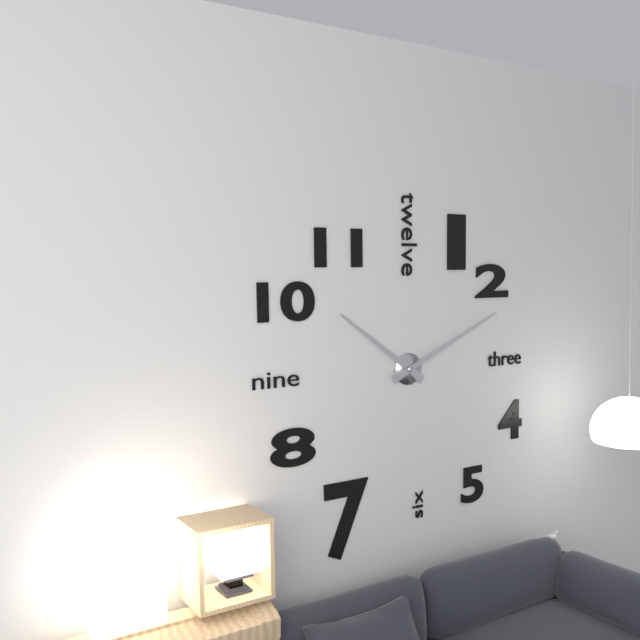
10:11
